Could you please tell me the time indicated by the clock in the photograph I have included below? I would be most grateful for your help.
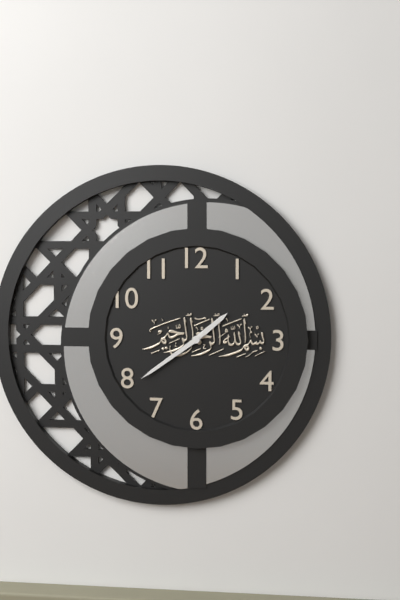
1:39
